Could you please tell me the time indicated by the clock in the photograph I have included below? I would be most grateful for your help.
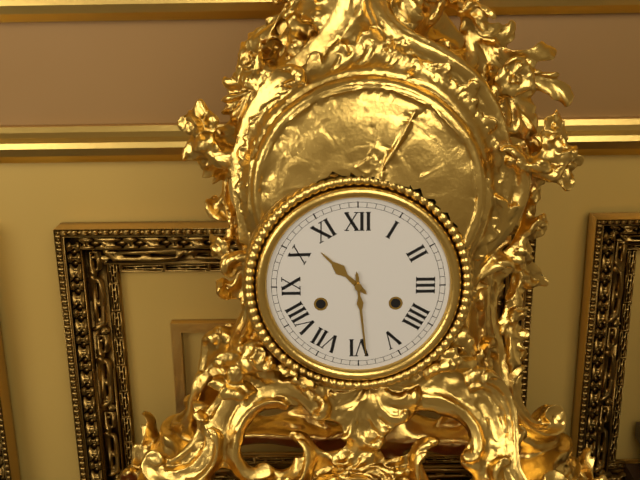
10:29
